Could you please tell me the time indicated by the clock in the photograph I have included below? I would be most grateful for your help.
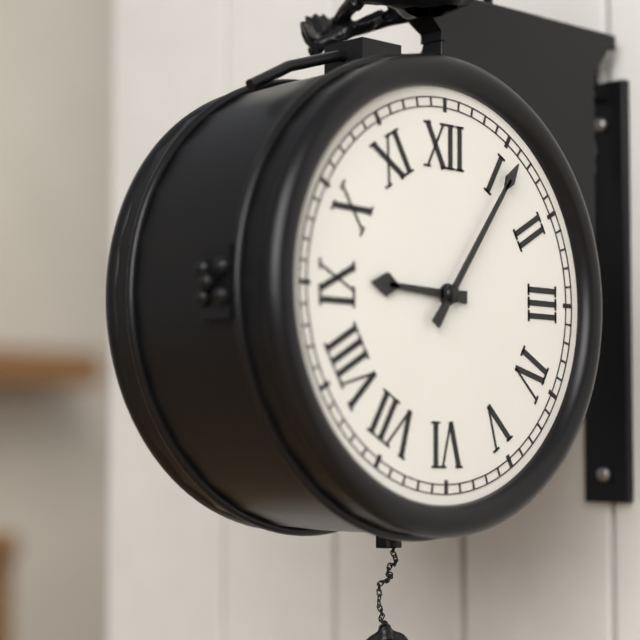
9:06
